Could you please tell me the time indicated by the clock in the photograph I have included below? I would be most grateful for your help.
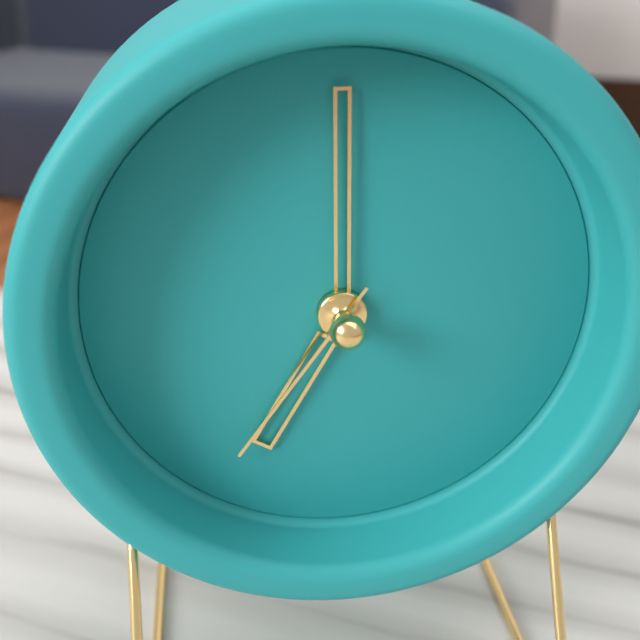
7:00:36
